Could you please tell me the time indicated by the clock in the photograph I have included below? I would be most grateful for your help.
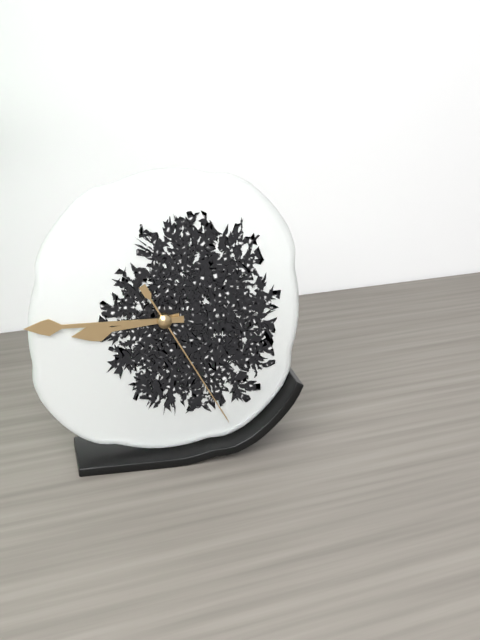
8:45:25
